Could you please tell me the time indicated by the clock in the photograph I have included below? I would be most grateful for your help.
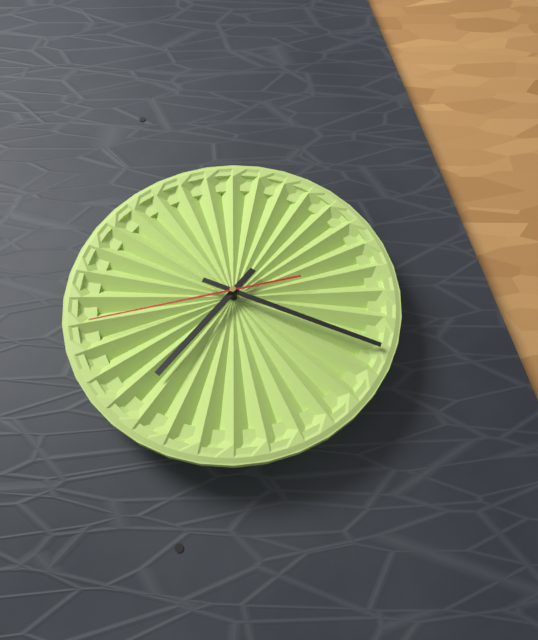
7:19:43
